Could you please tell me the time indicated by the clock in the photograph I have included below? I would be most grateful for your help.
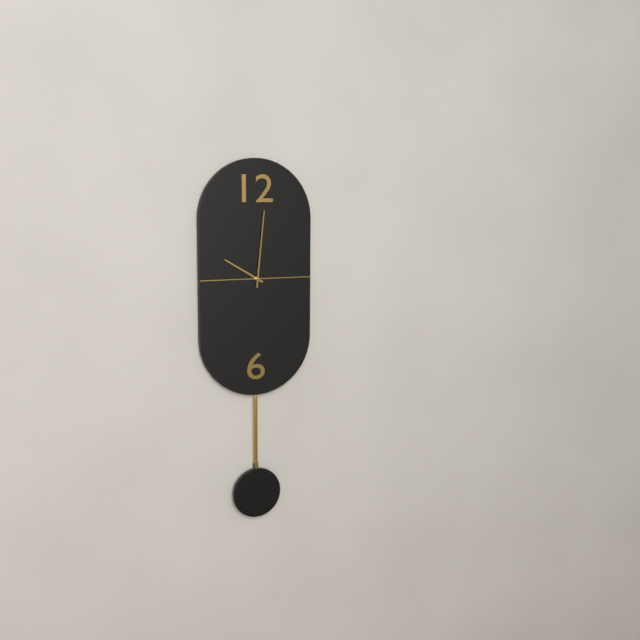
10:01
